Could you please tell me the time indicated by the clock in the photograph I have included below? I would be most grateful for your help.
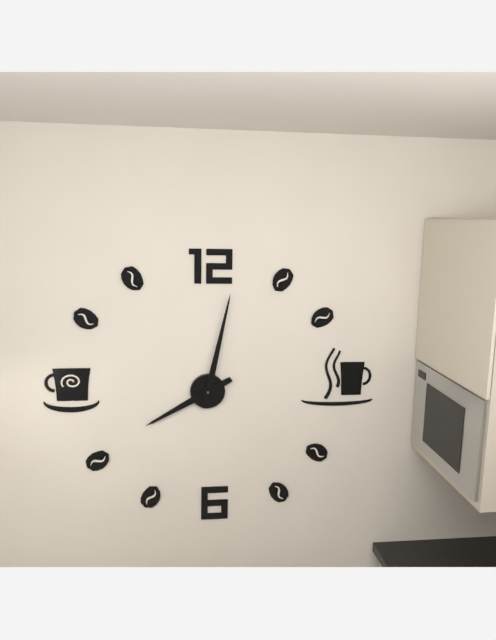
8:02
